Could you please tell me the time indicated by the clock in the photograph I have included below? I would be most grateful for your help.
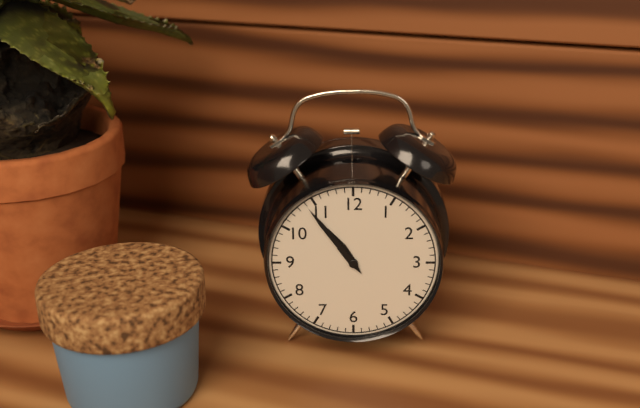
10:54
